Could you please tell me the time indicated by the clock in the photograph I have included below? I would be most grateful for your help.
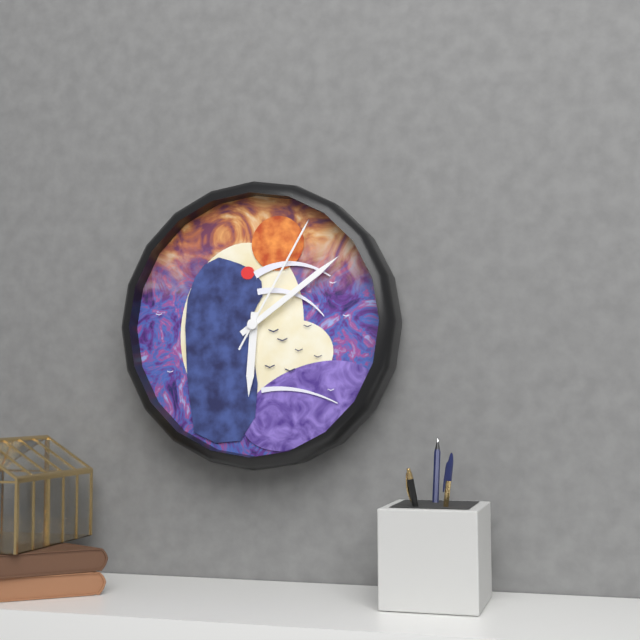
6:09:05
